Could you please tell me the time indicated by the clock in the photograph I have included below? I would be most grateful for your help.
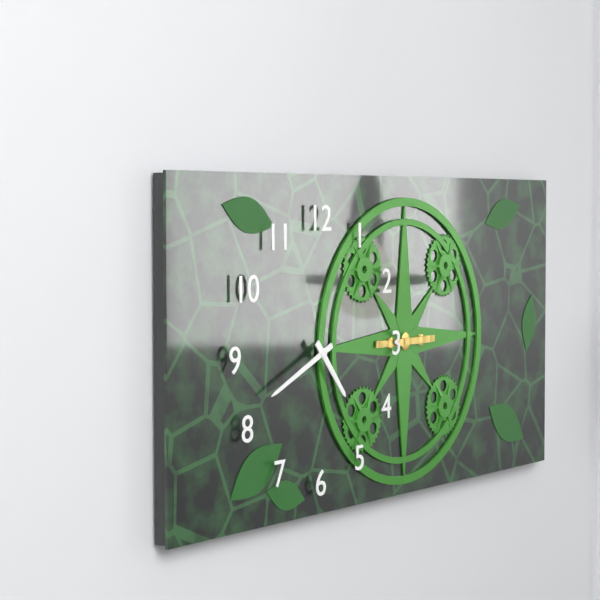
4:41
